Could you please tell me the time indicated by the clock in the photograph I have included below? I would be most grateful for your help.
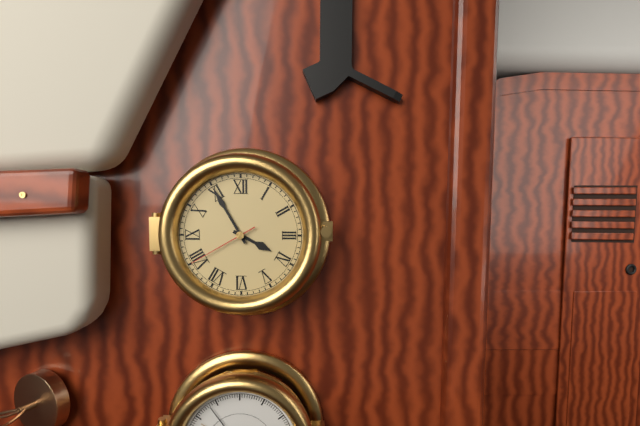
3:55:40
